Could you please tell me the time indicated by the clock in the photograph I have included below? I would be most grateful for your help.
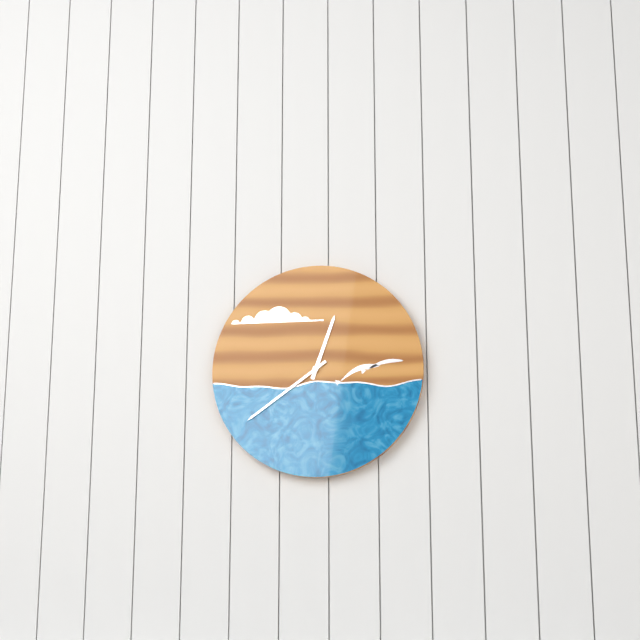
12:39
